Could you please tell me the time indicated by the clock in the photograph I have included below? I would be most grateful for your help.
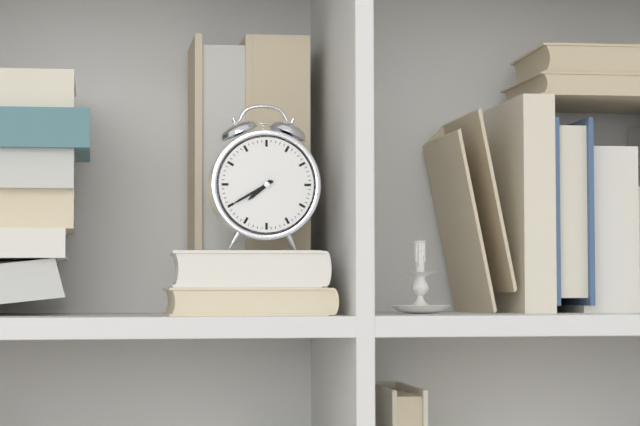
7:40
